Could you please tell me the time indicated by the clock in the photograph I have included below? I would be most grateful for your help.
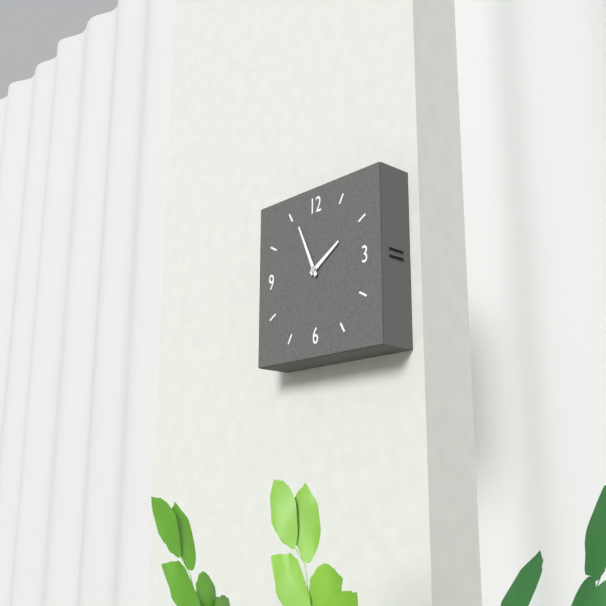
1:56
